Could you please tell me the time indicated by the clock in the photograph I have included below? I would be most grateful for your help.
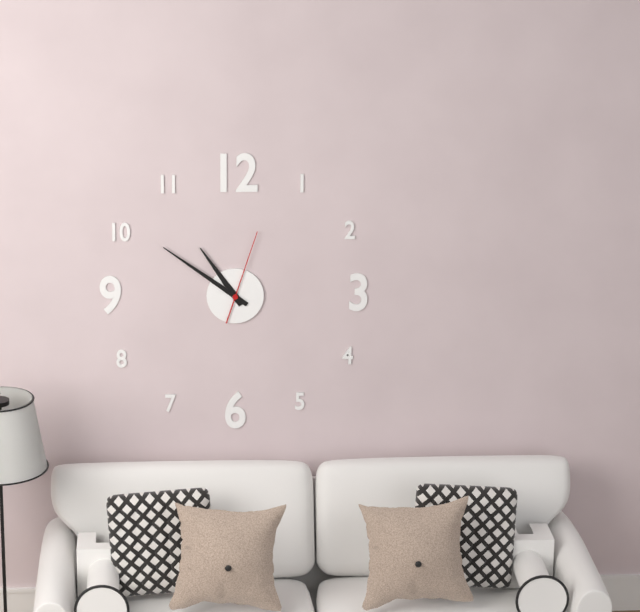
10:51:03
